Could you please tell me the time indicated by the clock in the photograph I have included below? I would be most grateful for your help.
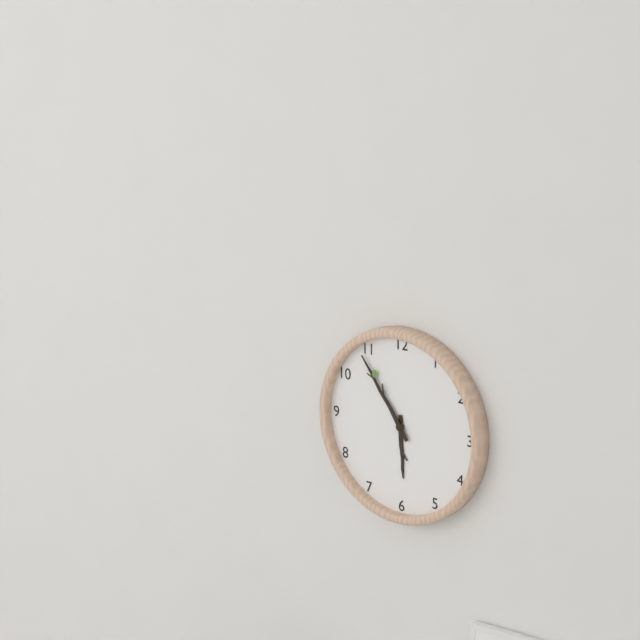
5:54
